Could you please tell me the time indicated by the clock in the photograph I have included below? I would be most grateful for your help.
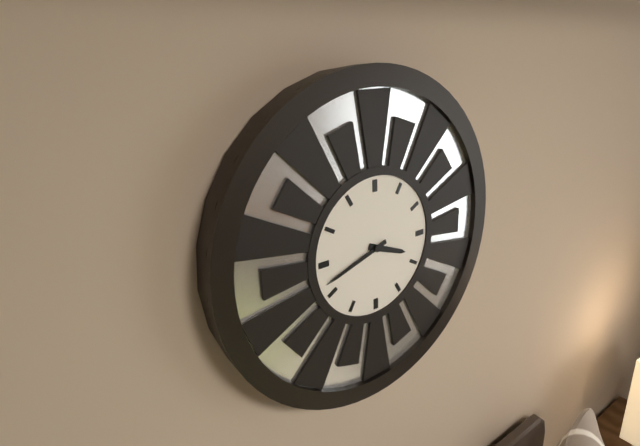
3:42
